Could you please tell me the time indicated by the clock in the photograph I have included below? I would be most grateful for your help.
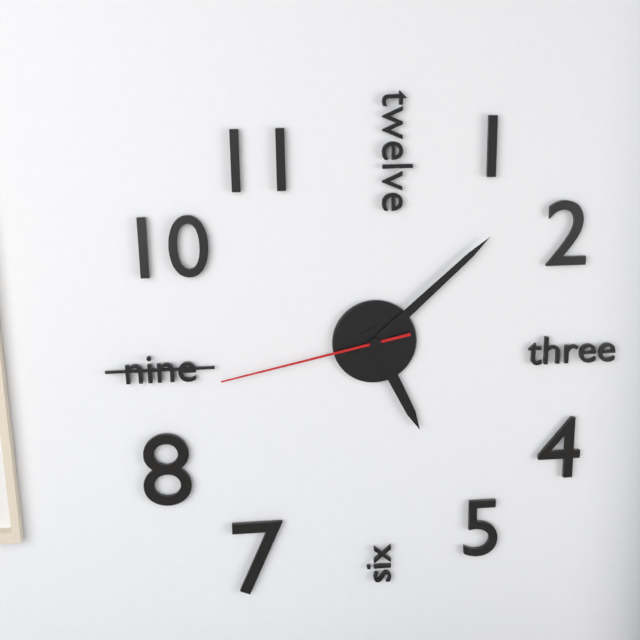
5:08:43
